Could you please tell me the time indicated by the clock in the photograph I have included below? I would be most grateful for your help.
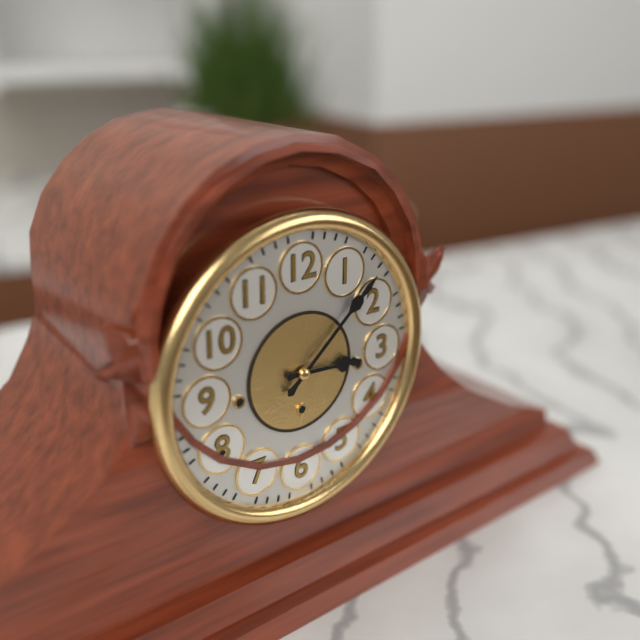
3:08
